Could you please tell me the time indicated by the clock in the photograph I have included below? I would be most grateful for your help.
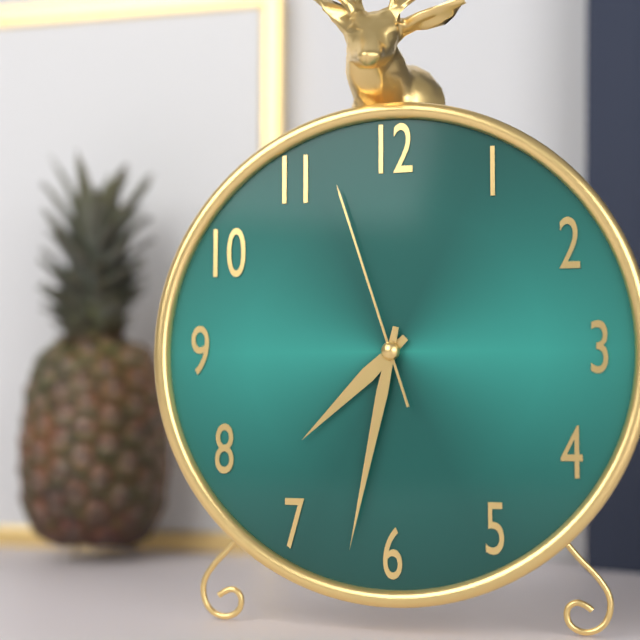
7:32:57
